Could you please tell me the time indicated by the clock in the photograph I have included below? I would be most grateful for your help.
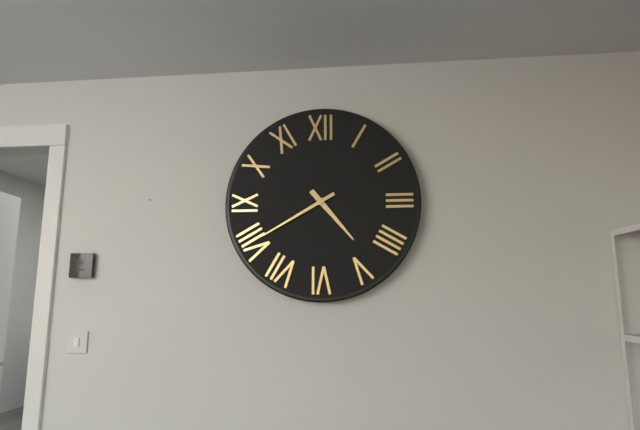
4:40
